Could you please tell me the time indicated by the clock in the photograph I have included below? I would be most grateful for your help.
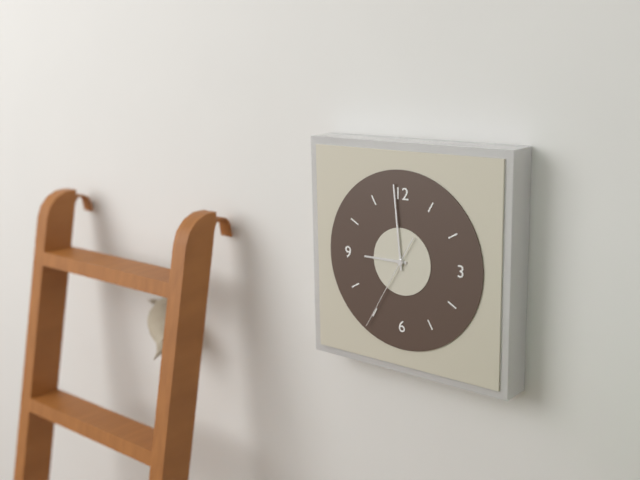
8:59:35
